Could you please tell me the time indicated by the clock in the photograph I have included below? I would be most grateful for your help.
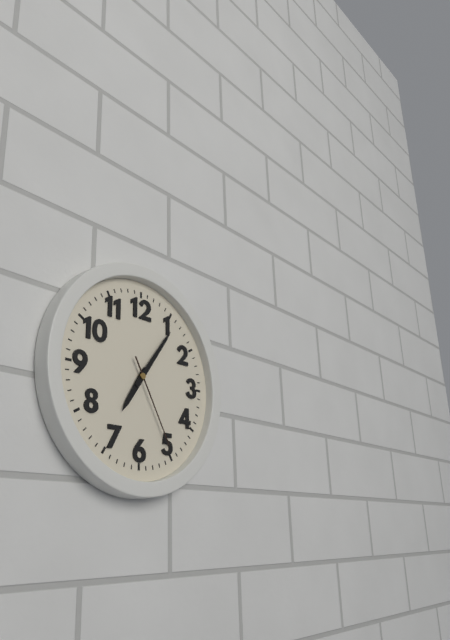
7:06:25
